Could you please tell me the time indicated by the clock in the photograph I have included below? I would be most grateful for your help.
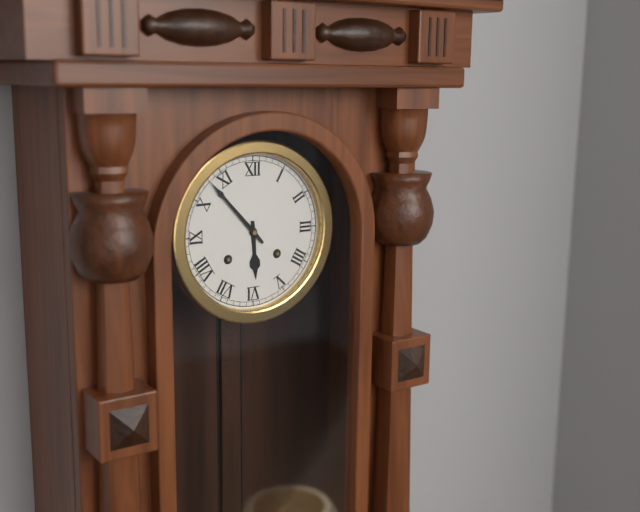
5:53
